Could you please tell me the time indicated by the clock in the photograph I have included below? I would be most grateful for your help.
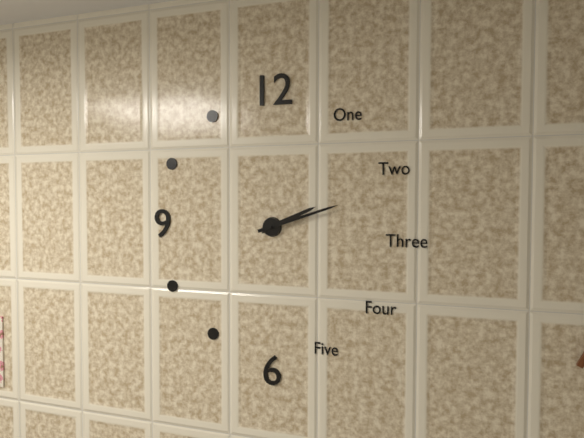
2:12
